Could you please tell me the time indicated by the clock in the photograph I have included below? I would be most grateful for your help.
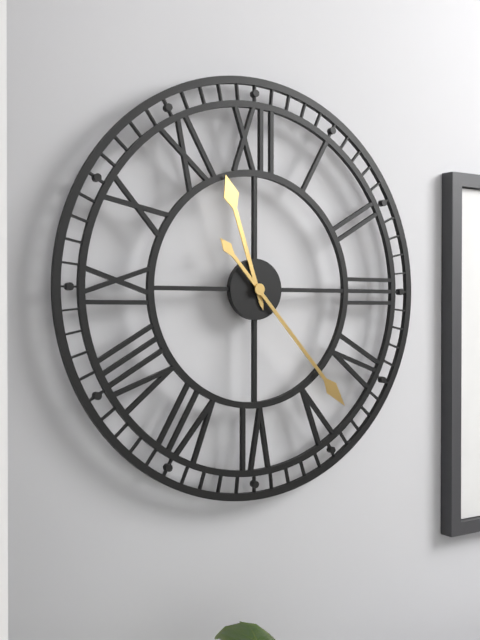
11:23
